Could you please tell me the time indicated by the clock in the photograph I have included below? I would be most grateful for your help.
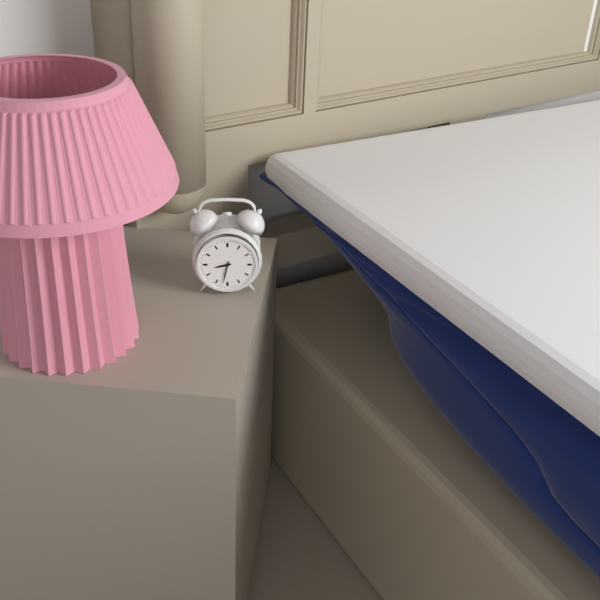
8:32
